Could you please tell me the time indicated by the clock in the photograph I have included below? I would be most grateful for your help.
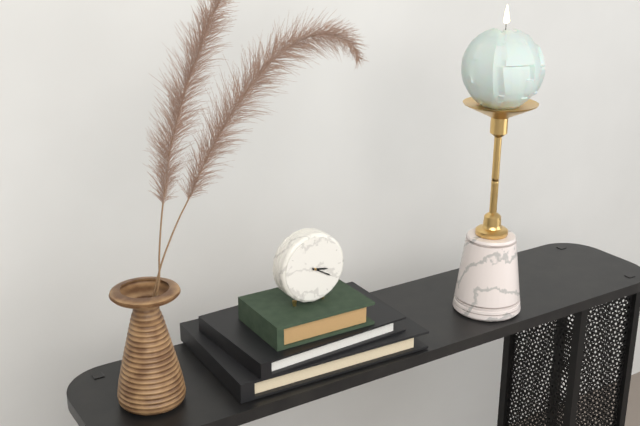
3:20
